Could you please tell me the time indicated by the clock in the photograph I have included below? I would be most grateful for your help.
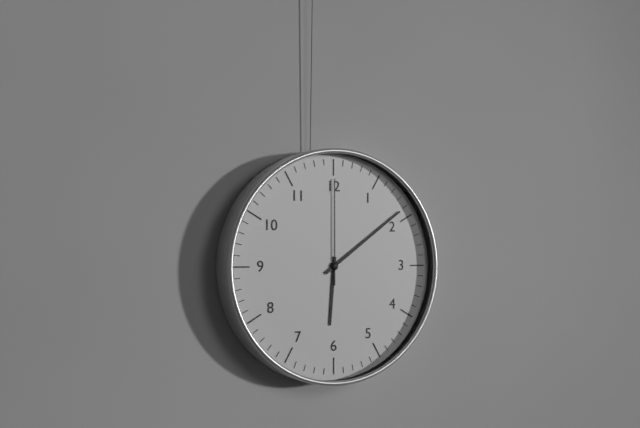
6:09:00
